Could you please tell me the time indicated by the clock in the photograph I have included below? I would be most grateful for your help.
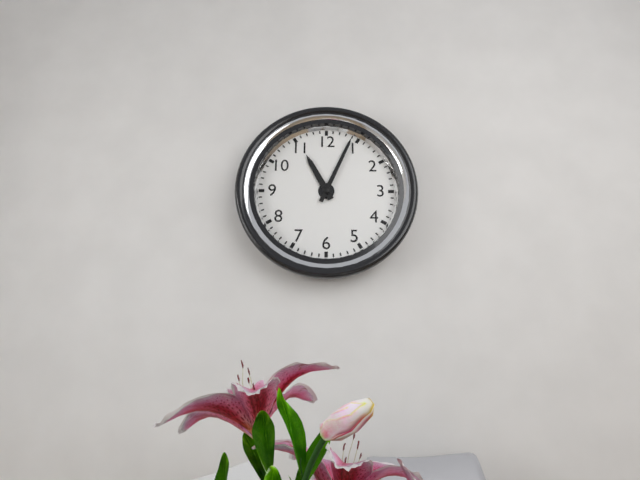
11:04
